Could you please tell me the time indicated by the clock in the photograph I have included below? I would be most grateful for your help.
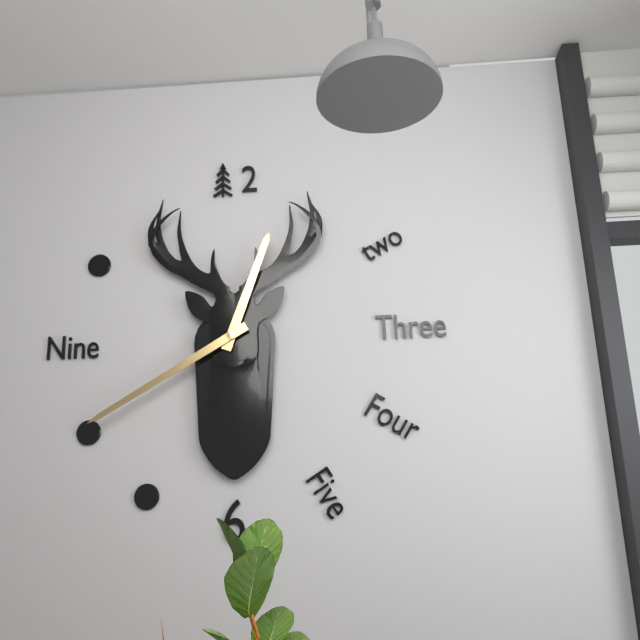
12:40
